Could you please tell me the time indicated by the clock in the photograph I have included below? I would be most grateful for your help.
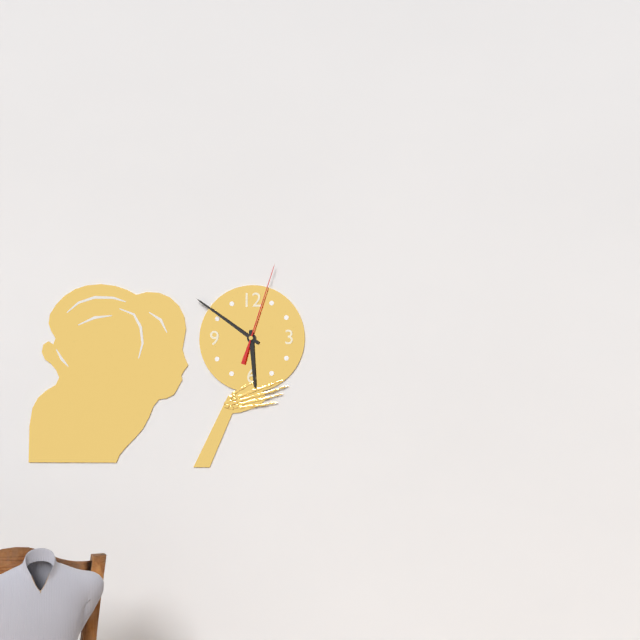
5:51:03
